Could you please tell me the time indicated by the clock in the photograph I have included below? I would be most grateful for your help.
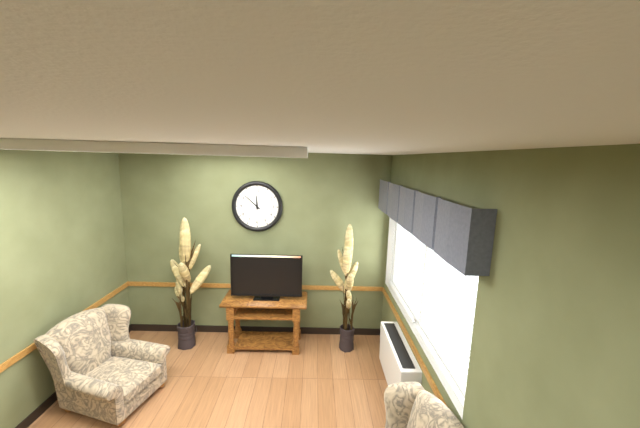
11:52
